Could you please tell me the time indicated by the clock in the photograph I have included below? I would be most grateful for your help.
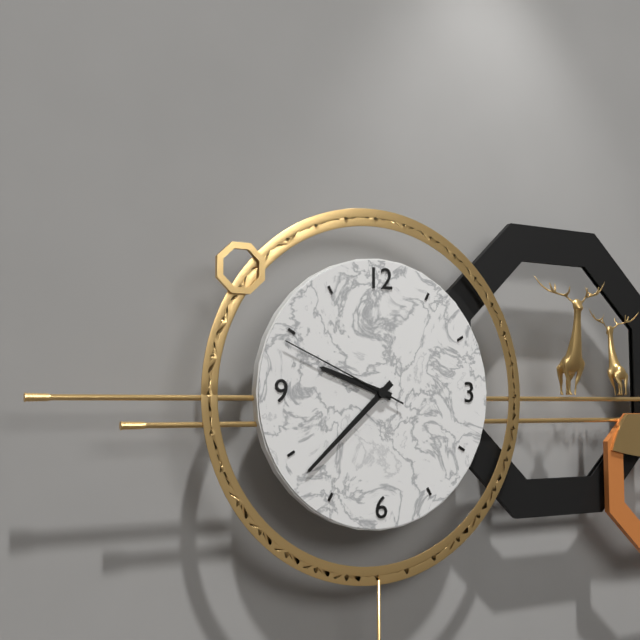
9:38:49
